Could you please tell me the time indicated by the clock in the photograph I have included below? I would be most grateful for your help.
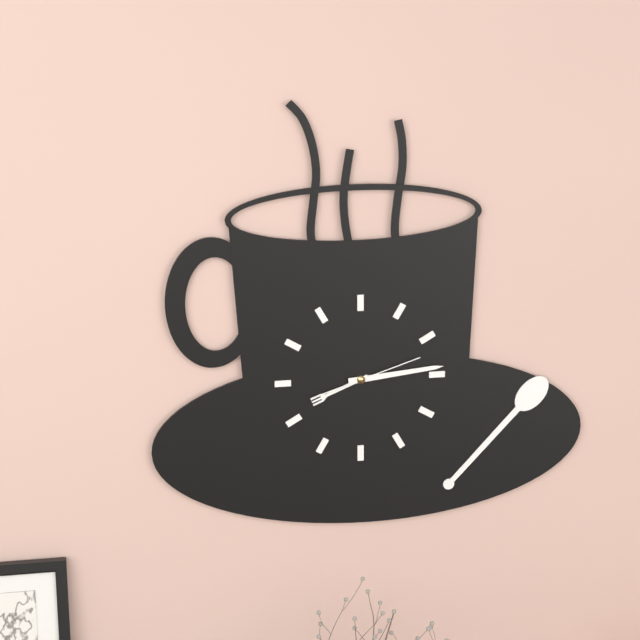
8:14:12
